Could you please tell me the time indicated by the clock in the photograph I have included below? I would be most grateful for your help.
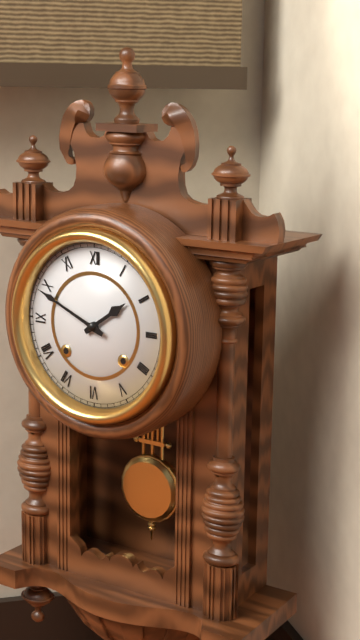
1:49
